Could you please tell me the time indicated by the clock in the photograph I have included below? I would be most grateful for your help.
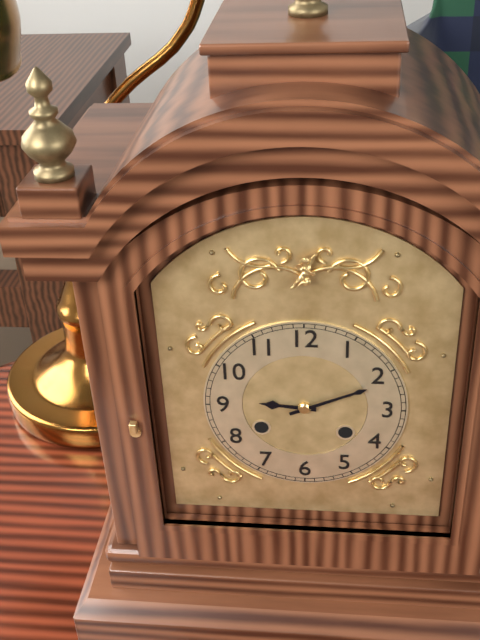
9:11
